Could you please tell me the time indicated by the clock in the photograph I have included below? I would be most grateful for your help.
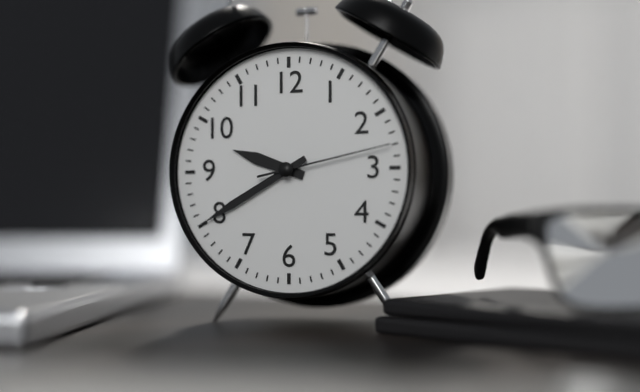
9:40:13
